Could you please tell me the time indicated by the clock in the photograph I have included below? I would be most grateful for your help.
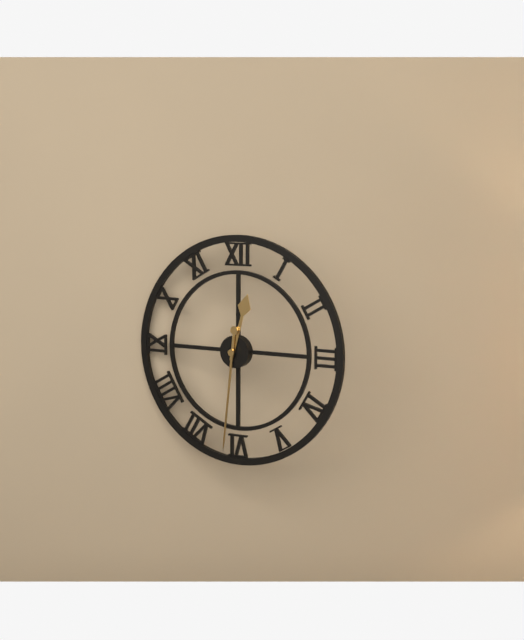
12:31
